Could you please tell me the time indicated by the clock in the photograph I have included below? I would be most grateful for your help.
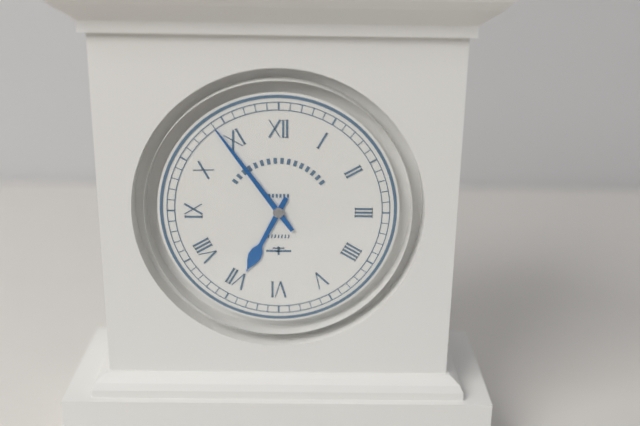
6:54
